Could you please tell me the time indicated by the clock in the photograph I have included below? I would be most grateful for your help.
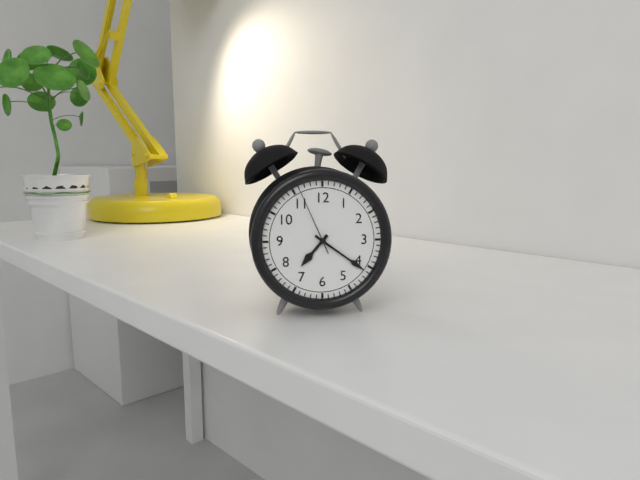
7:21:56
